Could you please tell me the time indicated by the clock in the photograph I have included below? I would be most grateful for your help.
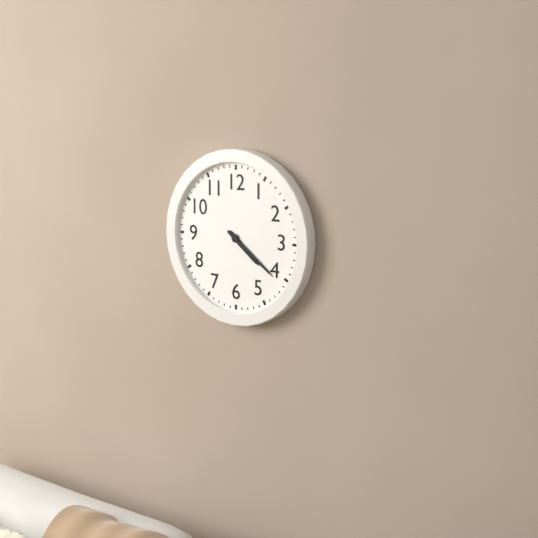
4:21
